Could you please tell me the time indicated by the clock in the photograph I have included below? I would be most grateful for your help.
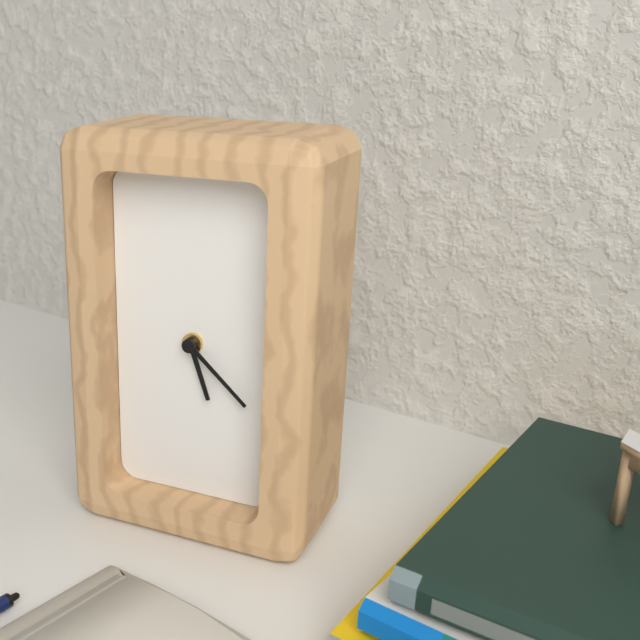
5:22
